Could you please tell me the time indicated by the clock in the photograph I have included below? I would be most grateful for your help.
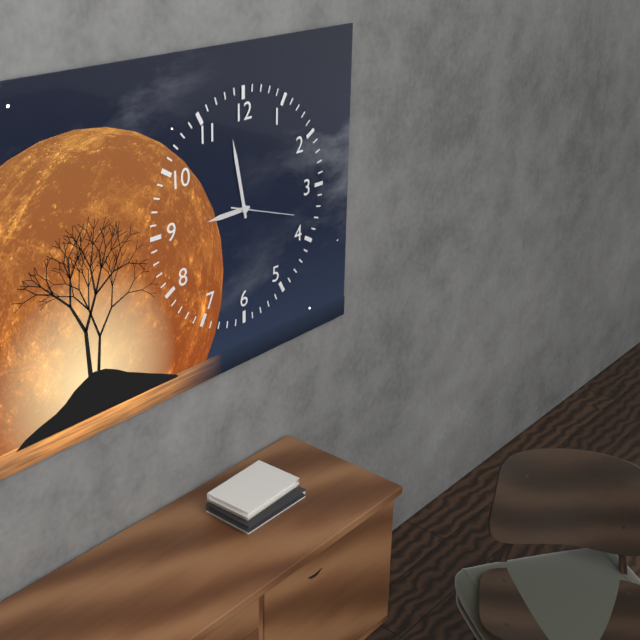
8:58:18
